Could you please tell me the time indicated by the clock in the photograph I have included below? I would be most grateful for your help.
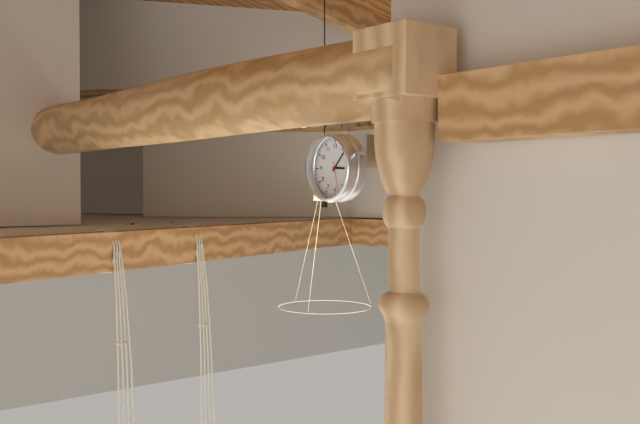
3:07
